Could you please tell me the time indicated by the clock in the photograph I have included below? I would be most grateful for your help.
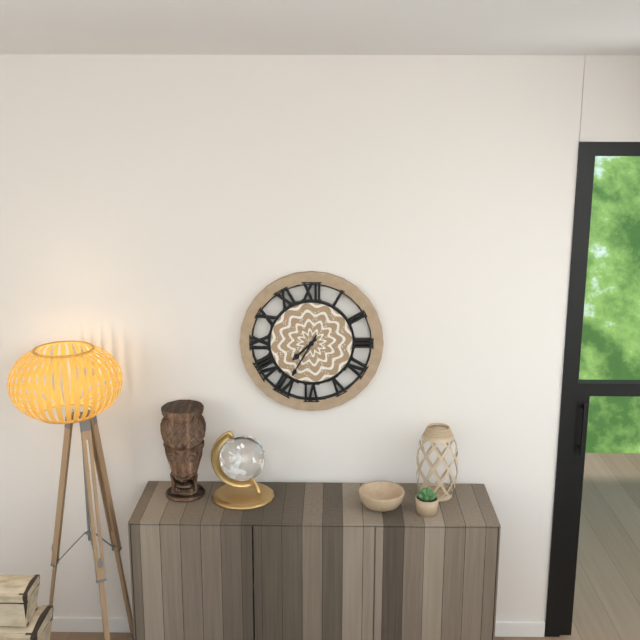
7:35
